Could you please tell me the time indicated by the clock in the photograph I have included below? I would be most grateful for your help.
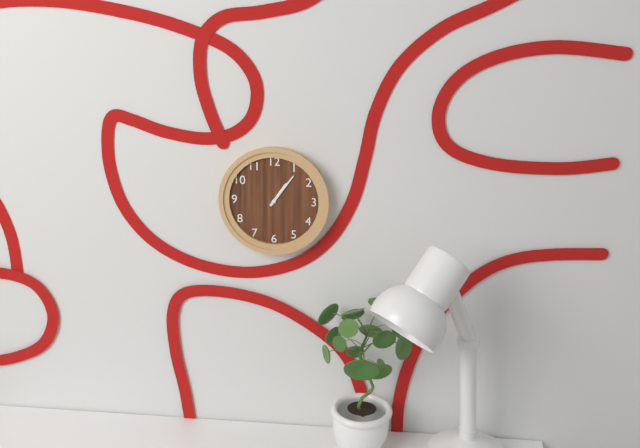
1:06
